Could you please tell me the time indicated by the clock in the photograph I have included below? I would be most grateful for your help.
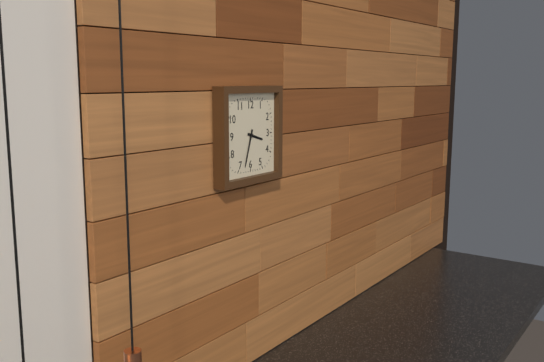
3:33
